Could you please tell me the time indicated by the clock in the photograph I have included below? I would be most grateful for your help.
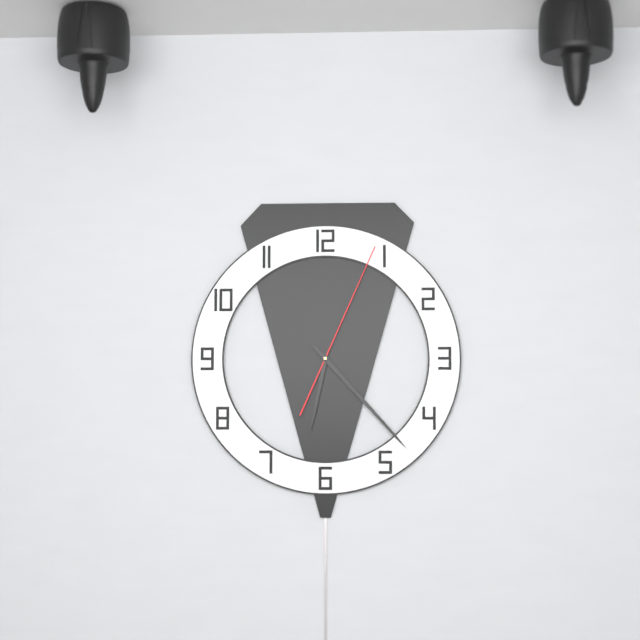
6:23:04
